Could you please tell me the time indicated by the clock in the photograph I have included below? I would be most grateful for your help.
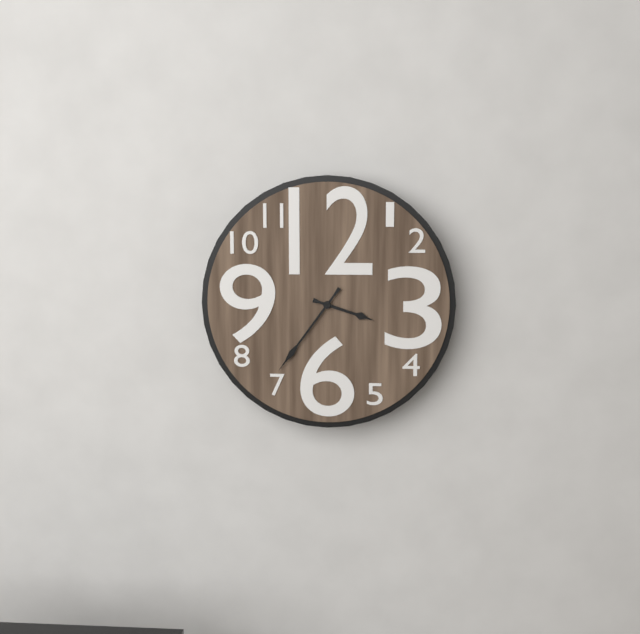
3:36
